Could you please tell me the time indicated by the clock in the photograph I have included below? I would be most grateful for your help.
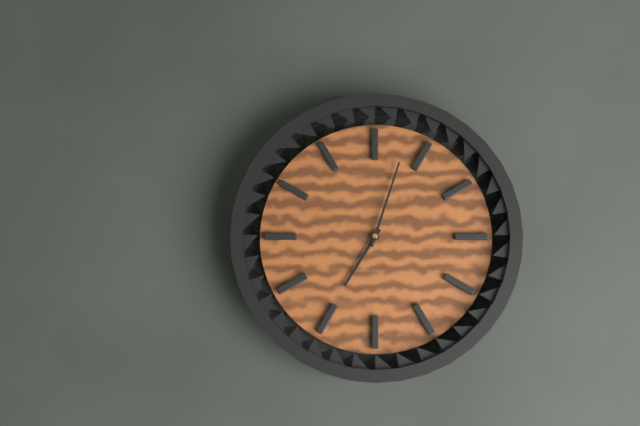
7:03
